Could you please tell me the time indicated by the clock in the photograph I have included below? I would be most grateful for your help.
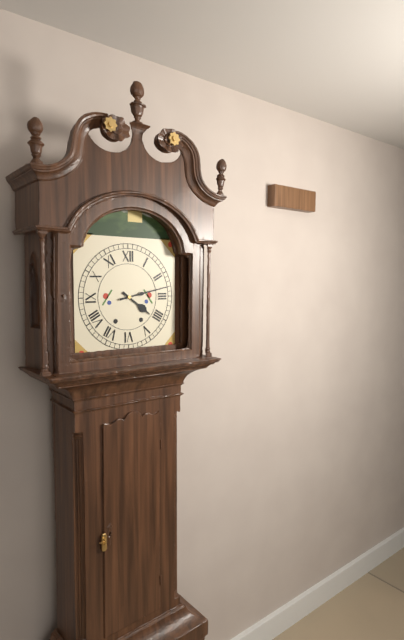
4:13
